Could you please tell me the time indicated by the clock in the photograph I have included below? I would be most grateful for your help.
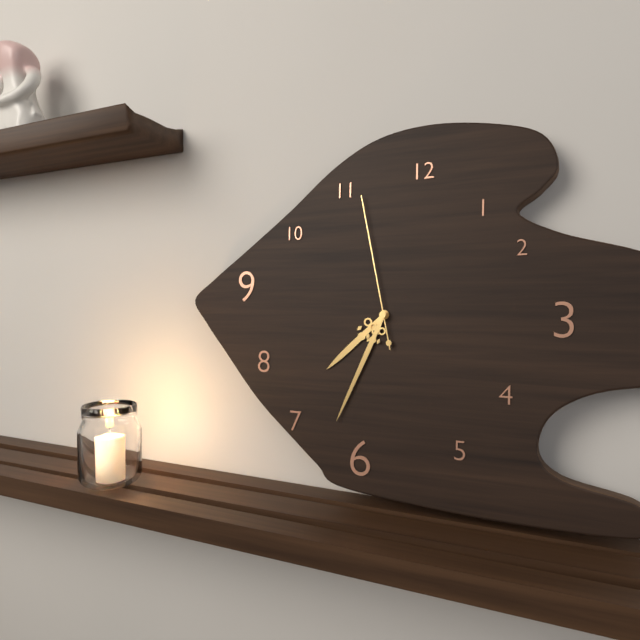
7:34:58
